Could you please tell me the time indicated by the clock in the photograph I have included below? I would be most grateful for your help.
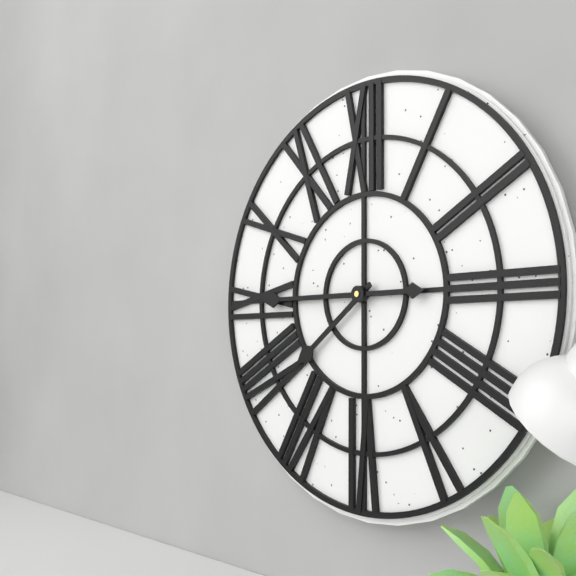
7:45
